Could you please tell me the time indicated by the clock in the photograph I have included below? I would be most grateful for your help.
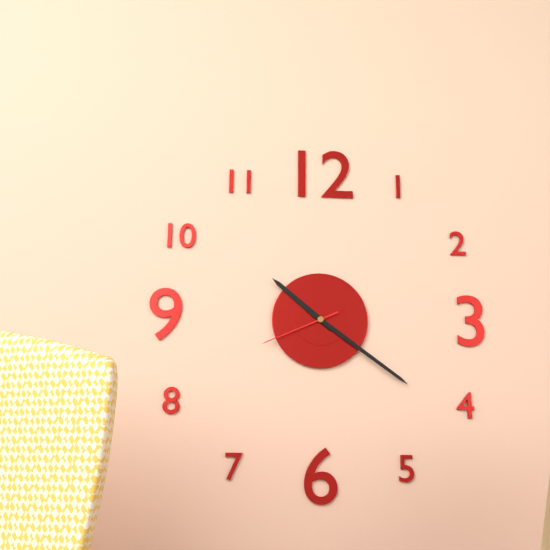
10:21:41
